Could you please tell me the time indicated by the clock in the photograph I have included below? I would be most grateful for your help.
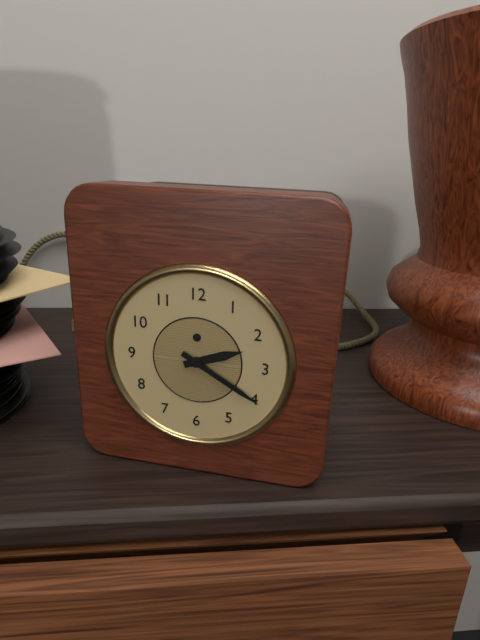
2:20
